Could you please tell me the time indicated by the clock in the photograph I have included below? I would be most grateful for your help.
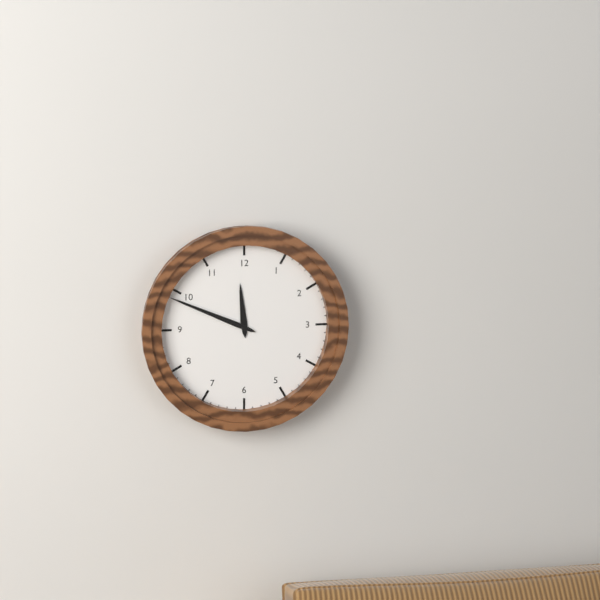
11:49
